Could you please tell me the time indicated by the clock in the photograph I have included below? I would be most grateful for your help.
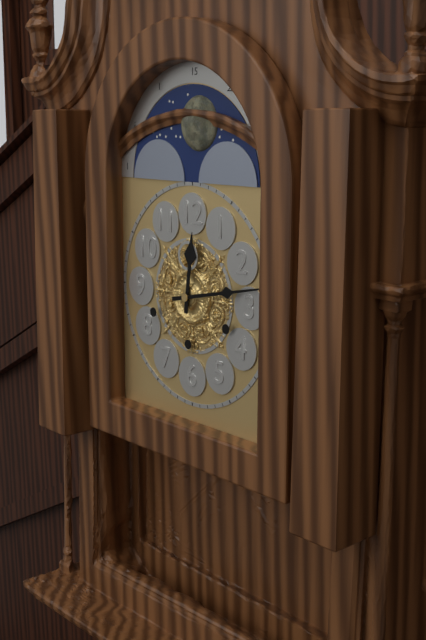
12:13
